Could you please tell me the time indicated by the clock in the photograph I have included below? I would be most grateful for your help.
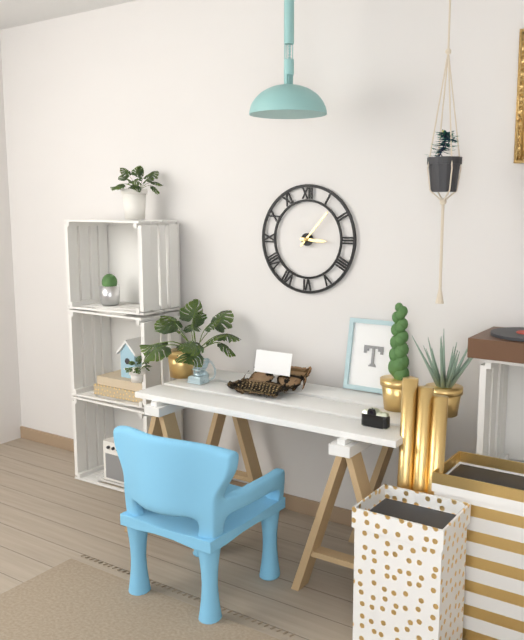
3:07
